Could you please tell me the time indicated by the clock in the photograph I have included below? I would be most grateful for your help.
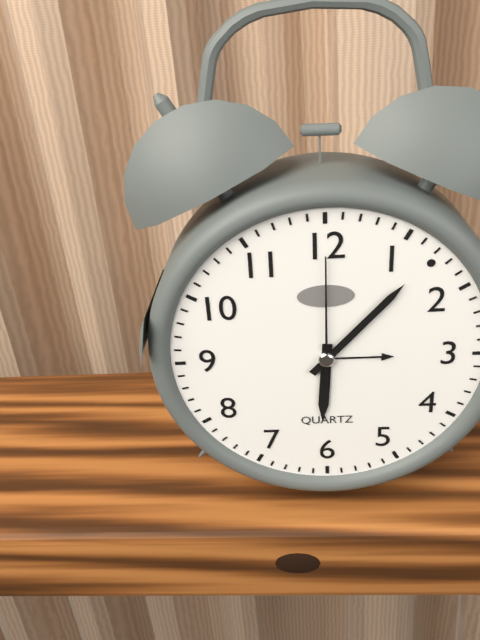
6:07:00
